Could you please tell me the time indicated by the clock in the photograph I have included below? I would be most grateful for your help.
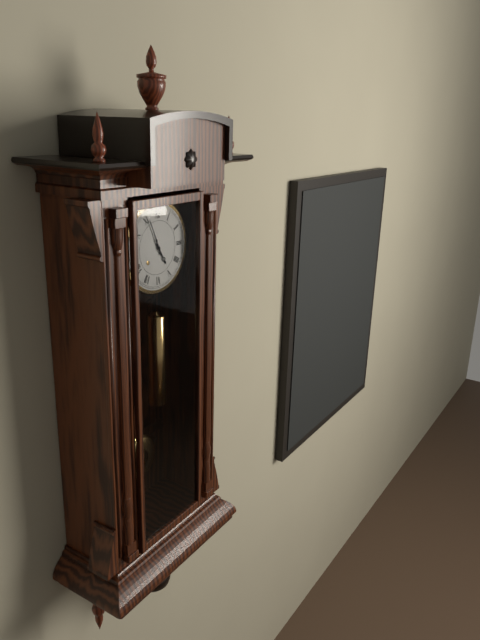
4:56
